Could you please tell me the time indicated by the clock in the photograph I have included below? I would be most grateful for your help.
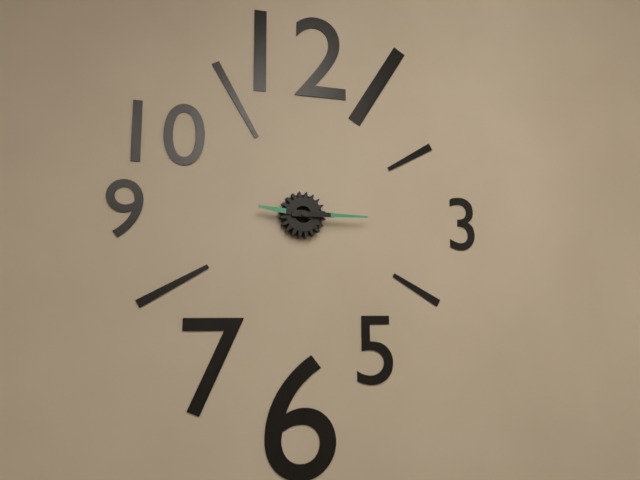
9:15
